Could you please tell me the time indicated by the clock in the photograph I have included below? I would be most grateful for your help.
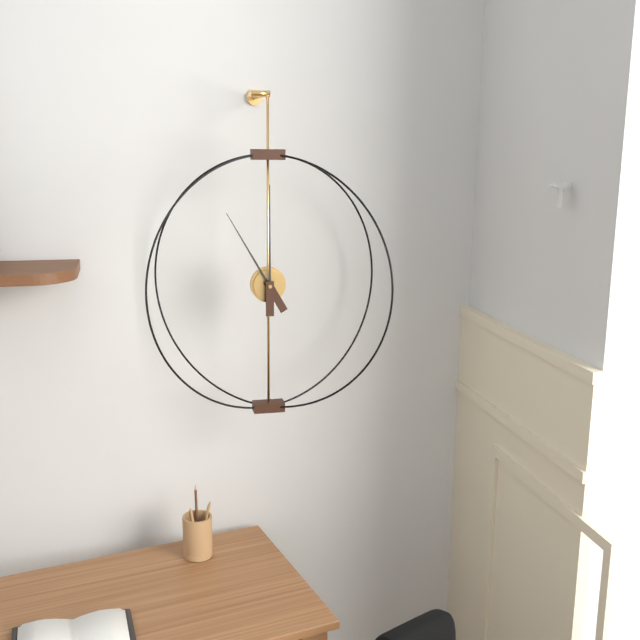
11:00
